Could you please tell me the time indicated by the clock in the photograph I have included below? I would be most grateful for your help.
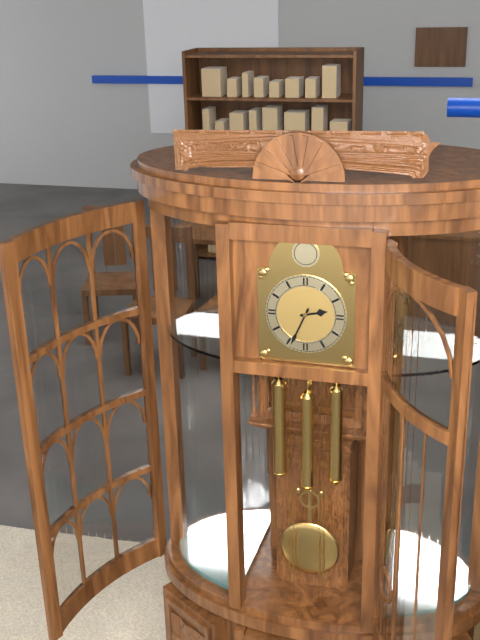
2:34
